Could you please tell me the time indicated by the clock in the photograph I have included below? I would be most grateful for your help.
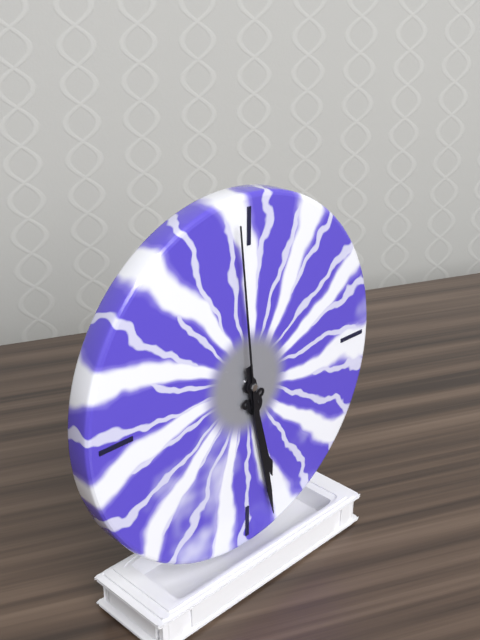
5:28:59
